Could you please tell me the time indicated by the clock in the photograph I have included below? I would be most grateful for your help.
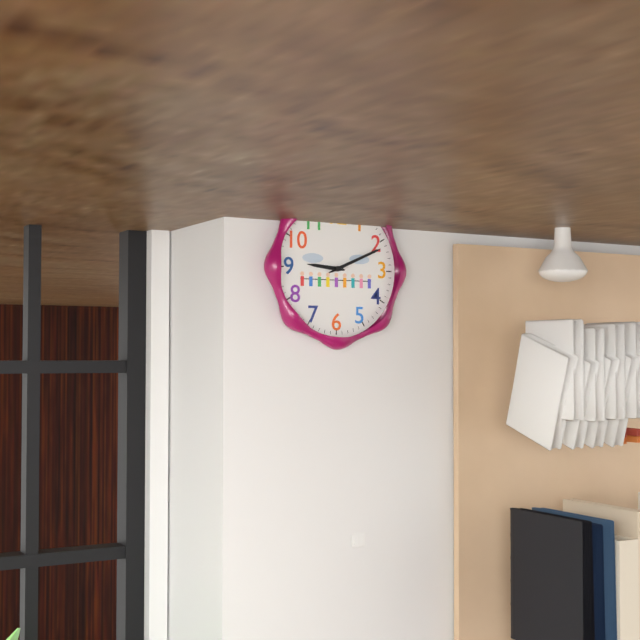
9:11
